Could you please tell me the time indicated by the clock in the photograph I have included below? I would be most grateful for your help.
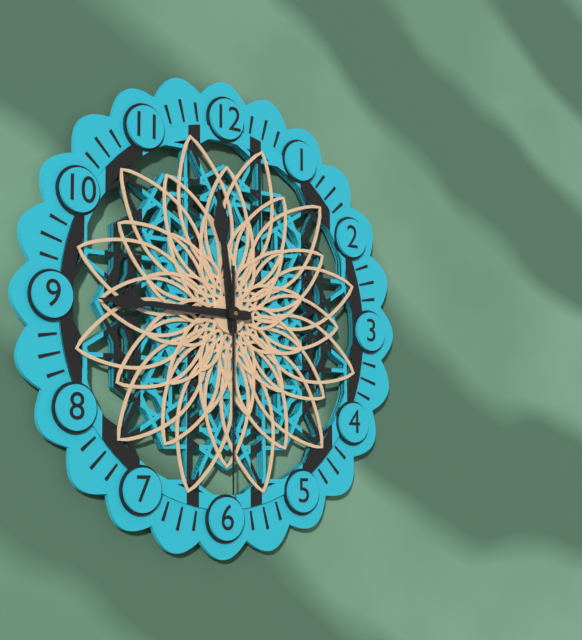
11:45:30
